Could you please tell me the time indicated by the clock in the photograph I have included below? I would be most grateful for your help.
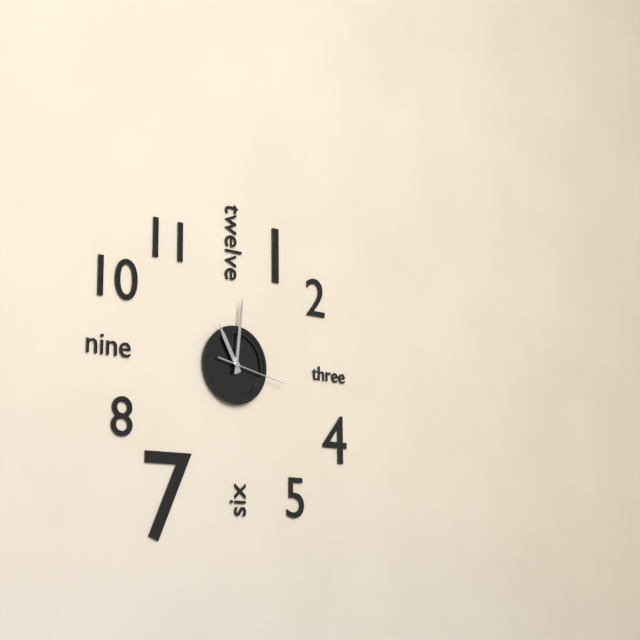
11:01:17
